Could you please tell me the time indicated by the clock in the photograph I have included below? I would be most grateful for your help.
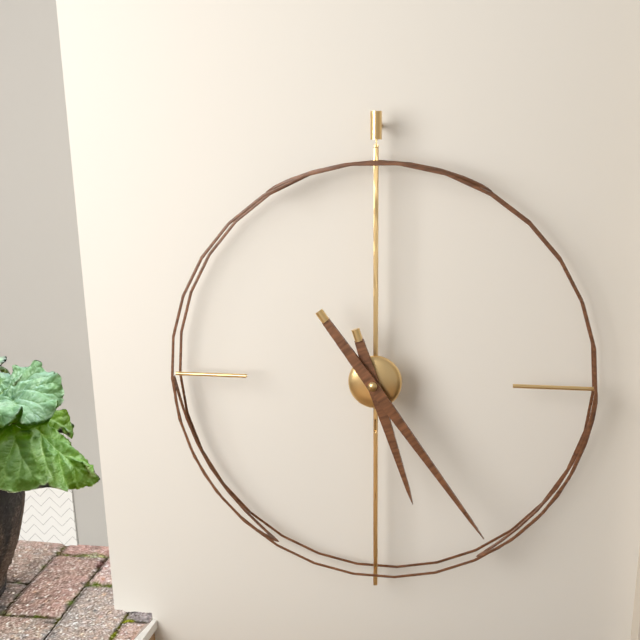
5:24
